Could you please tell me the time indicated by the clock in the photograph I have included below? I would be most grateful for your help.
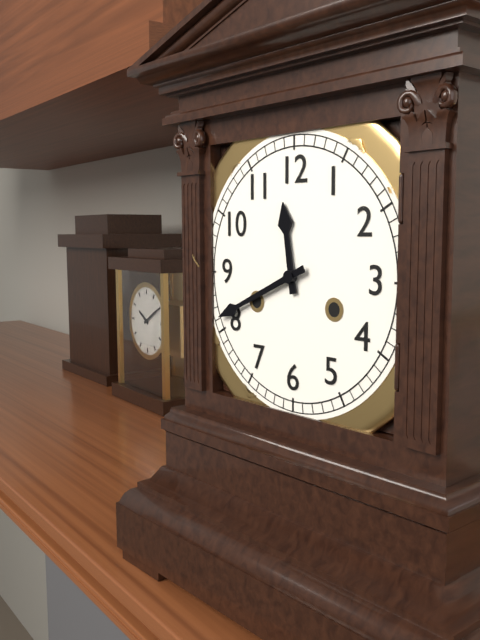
11:41
